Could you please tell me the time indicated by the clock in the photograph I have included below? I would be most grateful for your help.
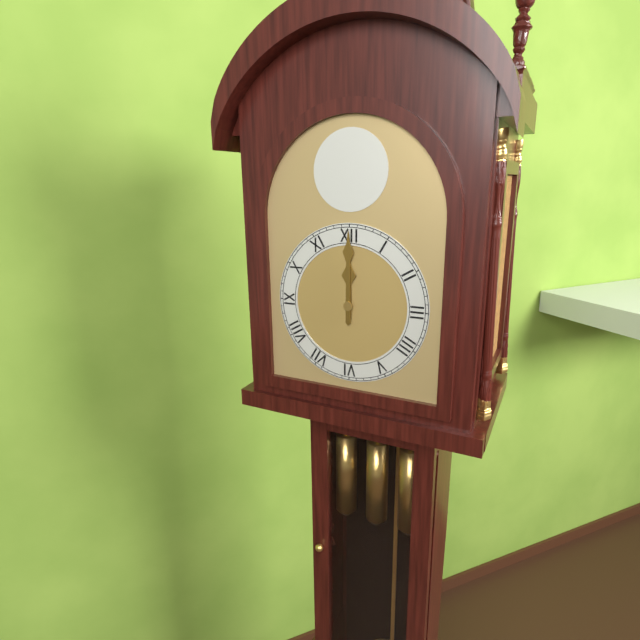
12:00
